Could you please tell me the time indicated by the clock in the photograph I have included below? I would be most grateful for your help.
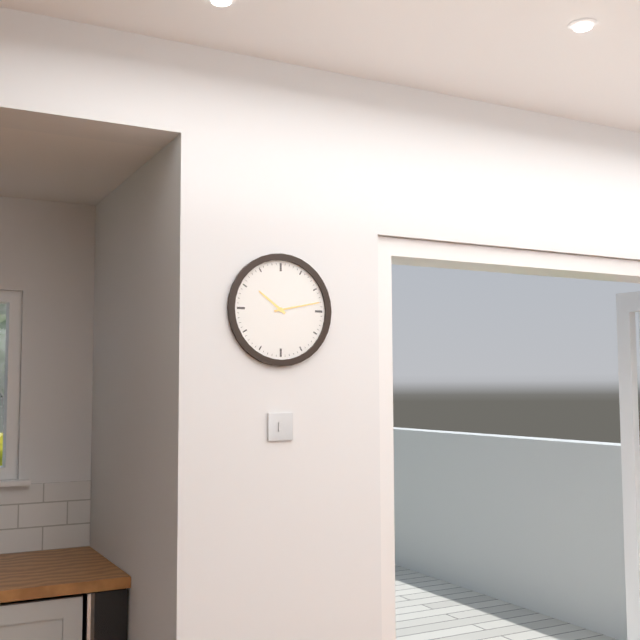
10:13
